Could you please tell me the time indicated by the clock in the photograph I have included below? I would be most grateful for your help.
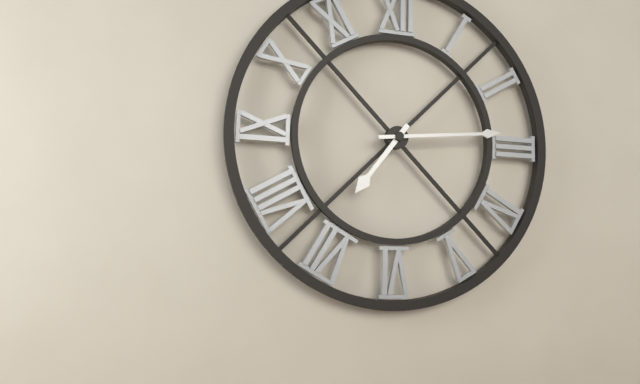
7:14
